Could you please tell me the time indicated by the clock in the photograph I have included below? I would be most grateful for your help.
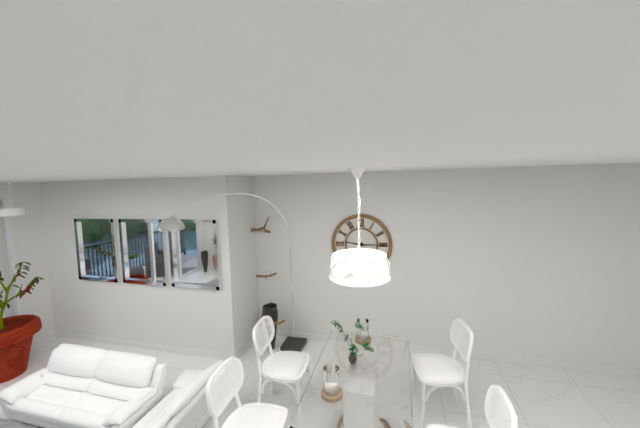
9:15
